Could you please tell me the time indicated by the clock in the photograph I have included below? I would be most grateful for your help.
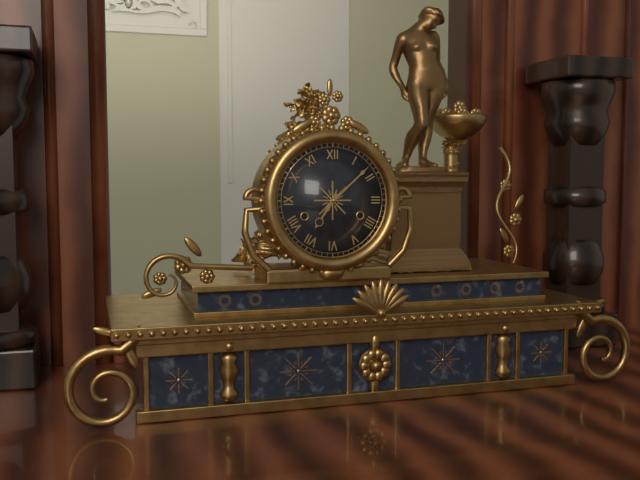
7:08
